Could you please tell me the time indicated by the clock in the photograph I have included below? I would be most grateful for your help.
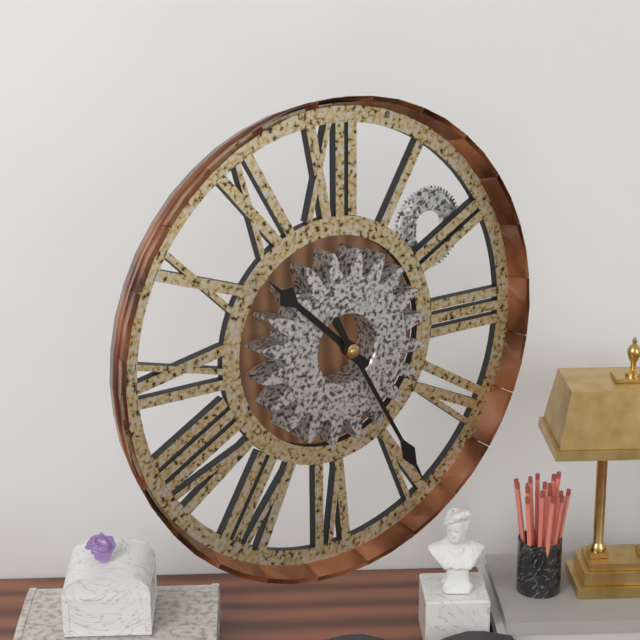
10:25
